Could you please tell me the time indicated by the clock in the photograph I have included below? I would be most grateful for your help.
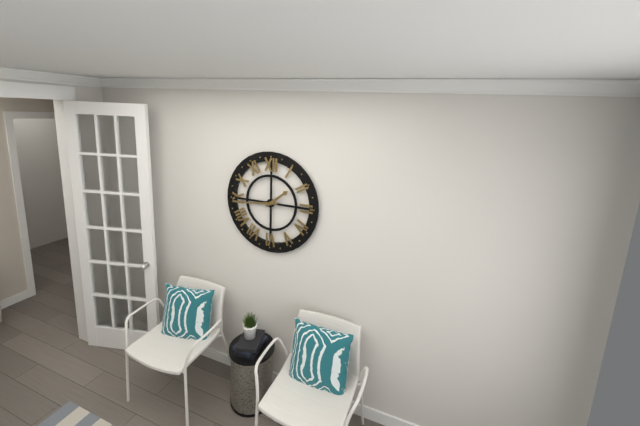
1:44
